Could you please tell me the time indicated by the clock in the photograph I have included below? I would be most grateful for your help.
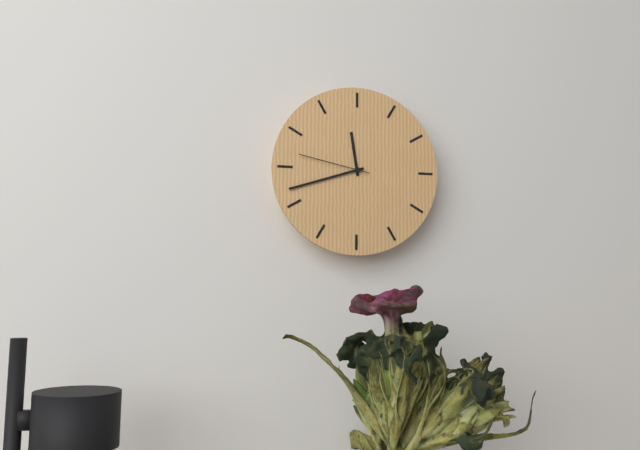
11:42:47
